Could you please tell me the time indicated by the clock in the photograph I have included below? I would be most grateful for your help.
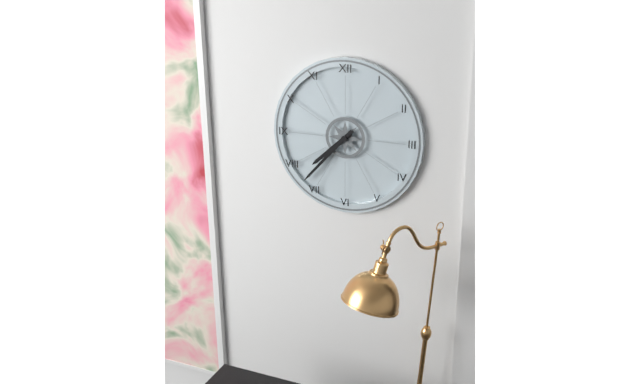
7:37
